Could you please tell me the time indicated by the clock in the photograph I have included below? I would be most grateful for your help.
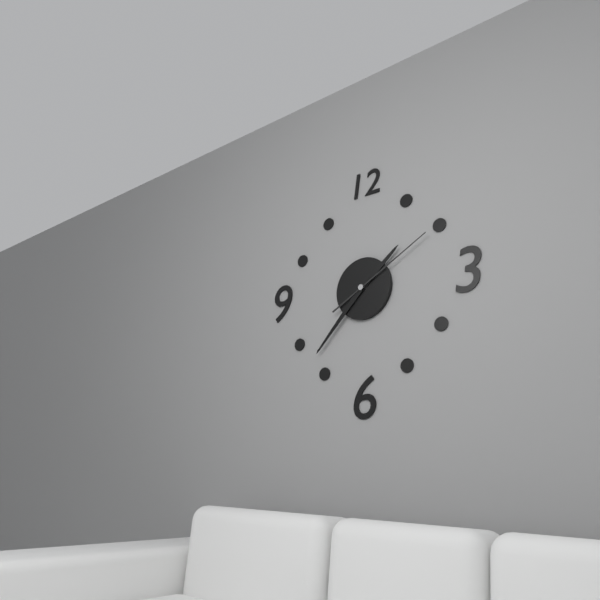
1:37:10
